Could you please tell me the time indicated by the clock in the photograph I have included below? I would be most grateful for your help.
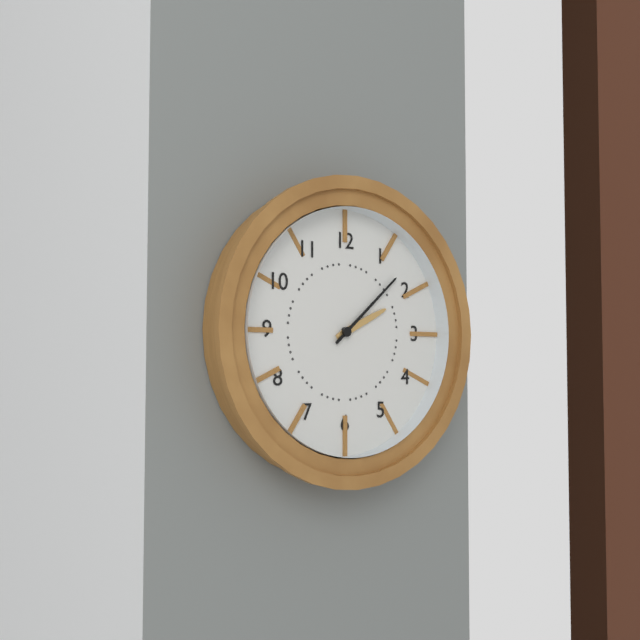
2:08
